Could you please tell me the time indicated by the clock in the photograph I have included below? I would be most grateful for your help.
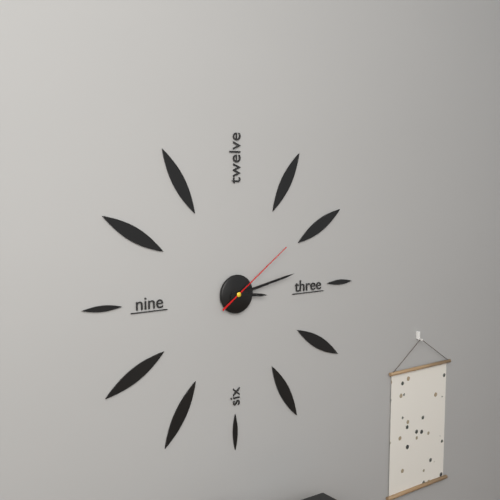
3:13:09
